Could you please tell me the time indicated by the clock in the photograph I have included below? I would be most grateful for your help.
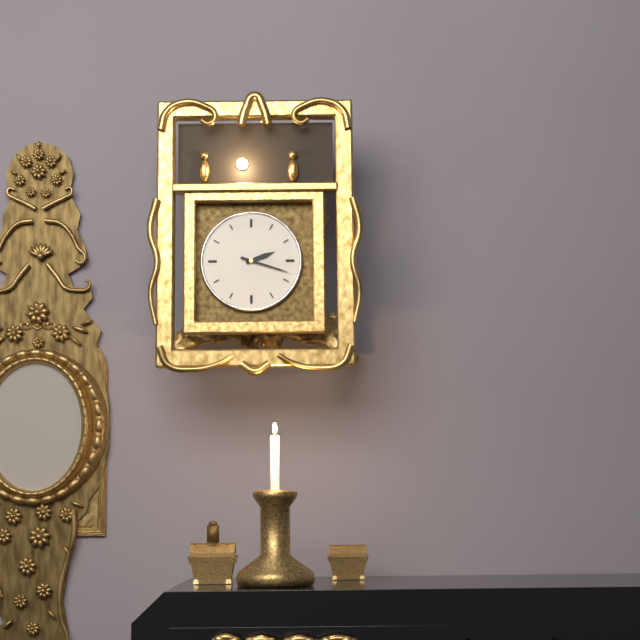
2:18
